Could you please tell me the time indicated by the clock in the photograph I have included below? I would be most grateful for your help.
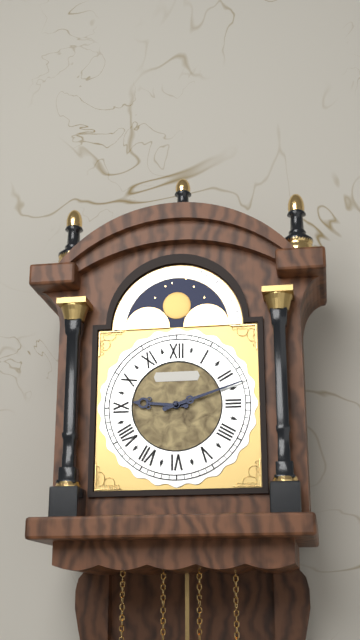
9:12
